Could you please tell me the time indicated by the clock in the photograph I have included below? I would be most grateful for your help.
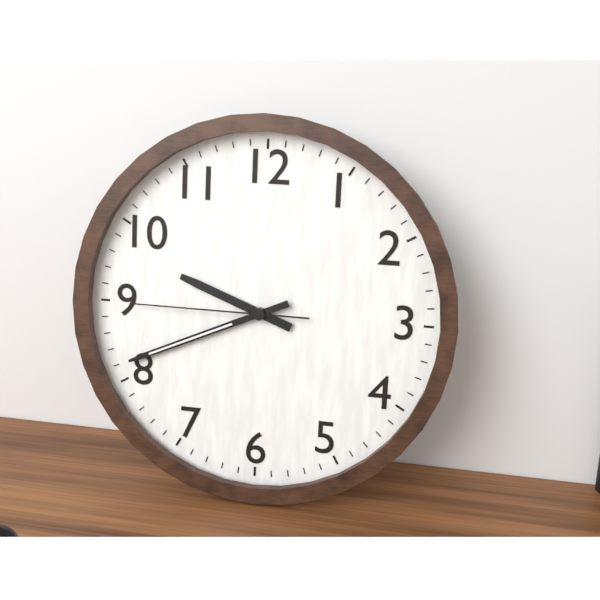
9:41:45
